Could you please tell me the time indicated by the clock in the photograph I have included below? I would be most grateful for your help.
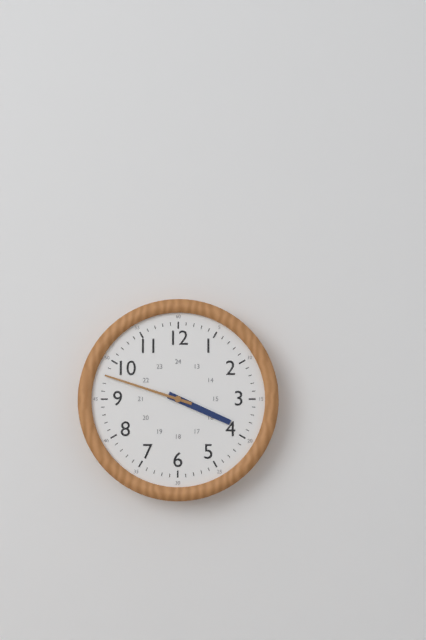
3:48
